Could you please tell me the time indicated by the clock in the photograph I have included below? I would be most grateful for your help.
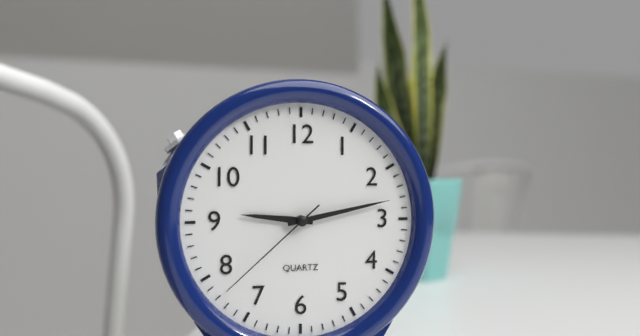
9:13:38
